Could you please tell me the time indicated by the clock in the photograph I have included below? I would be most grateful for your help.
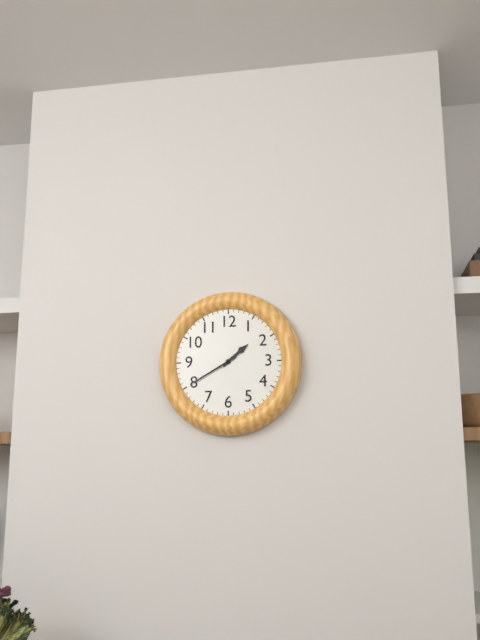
1:40
